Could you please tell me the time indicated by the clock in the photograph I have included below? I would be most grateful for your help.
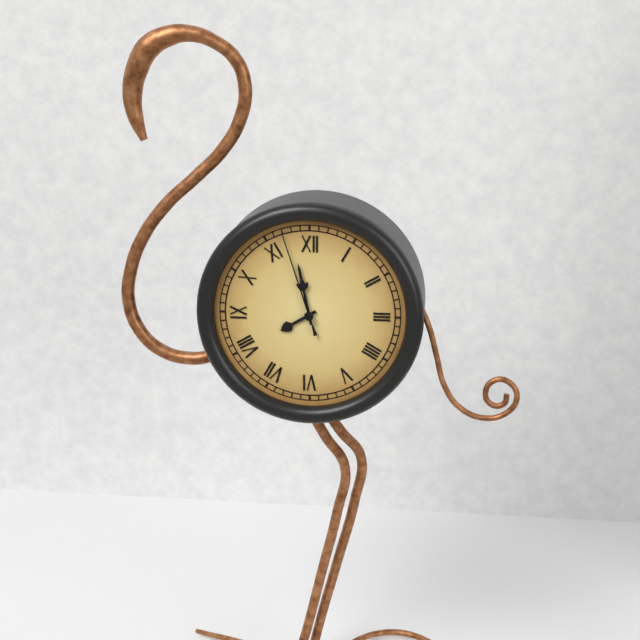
7:58:57
